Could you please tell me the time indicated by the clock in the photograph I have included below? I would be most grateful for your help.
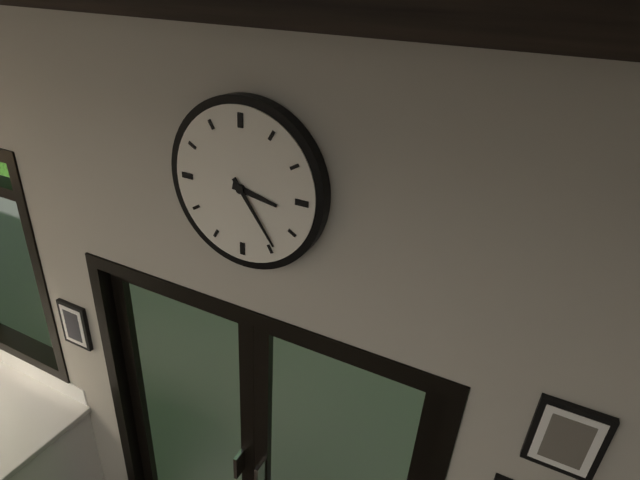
3:24
